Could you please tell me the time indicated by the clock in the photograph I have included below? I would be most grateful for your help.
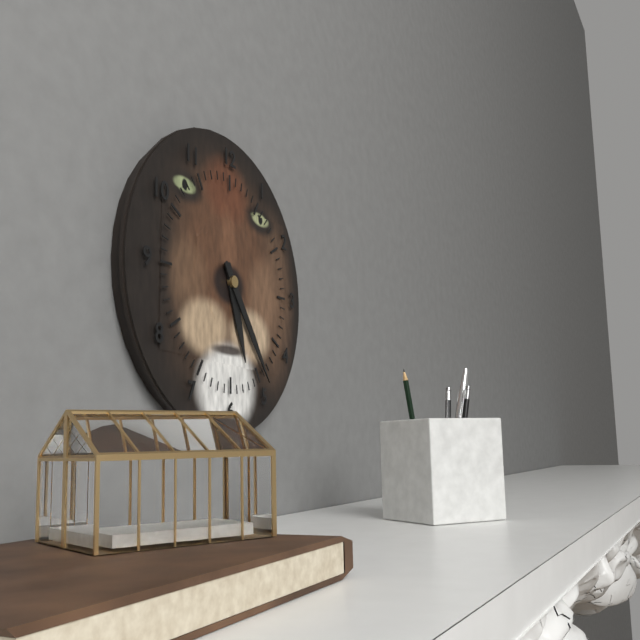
5:24
